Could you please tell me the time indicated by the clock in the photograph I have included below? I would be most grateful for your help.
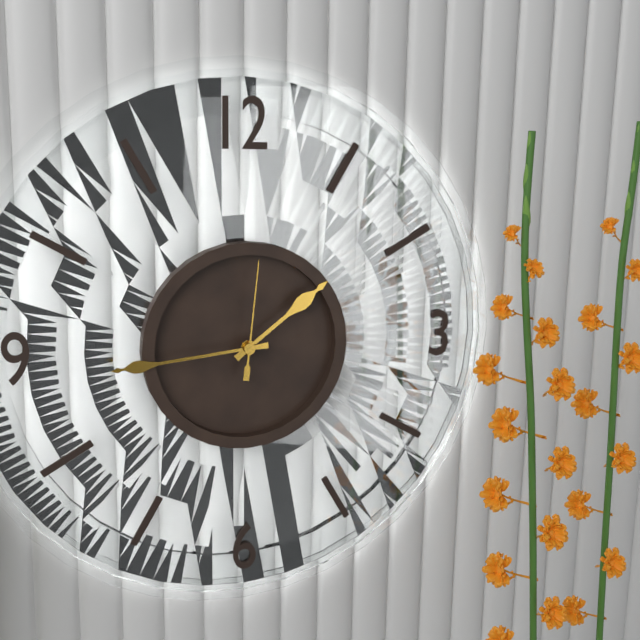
1:44:01
